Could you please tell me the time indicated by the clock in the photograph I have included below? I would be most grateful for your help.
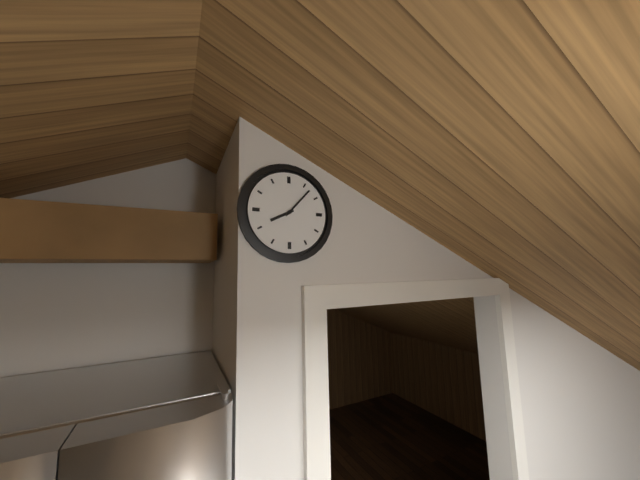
8:07
